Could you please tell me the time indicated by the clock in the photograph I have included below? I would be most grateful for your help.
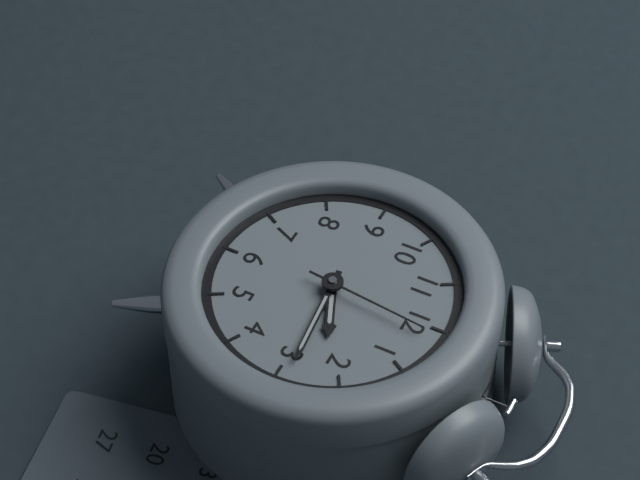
2:14:01
